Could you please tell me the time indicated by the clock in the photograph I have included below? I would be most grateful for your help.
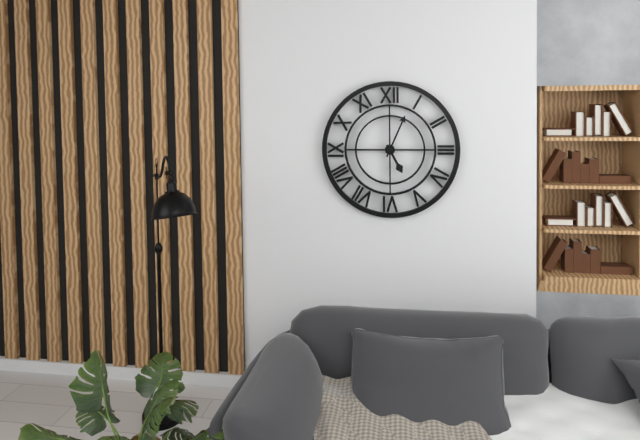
5:04
